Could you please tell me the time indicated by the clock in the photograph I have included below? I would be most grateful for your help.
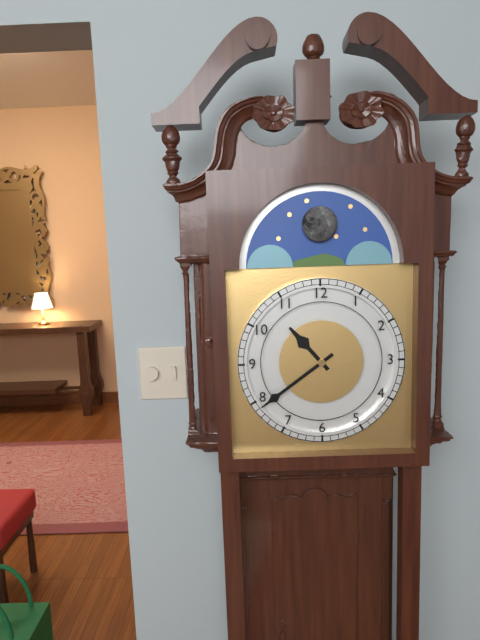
10:39
